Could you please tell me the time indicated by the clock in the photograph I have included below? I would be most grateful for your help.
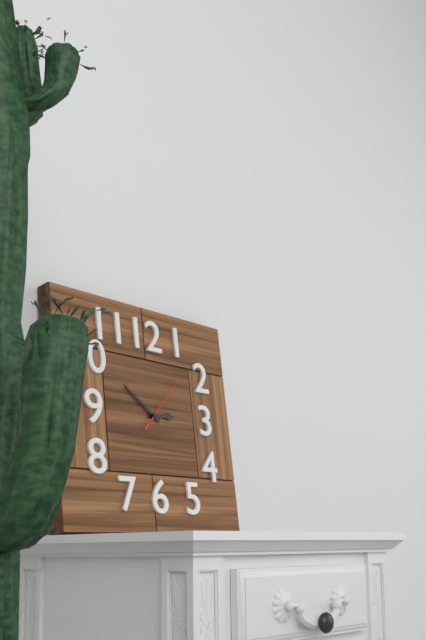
2:51:07
